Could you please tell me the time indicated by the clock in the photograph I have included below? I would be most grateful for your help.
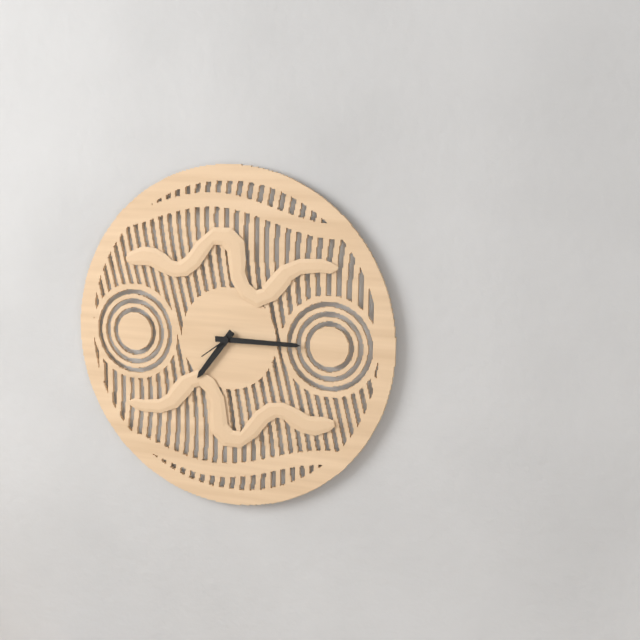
7:15
